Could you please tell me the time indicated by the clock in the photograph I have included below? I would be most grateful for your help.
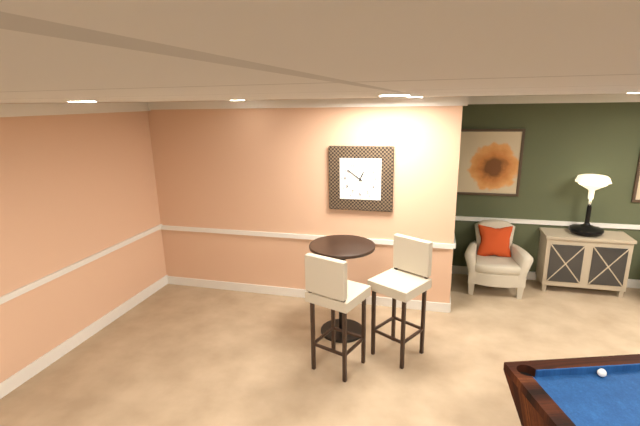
12:51
